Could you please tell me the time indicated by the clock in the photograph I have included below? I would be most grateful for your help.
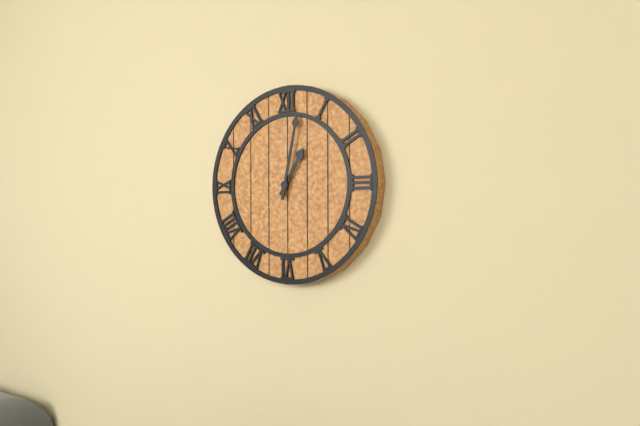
1:02
